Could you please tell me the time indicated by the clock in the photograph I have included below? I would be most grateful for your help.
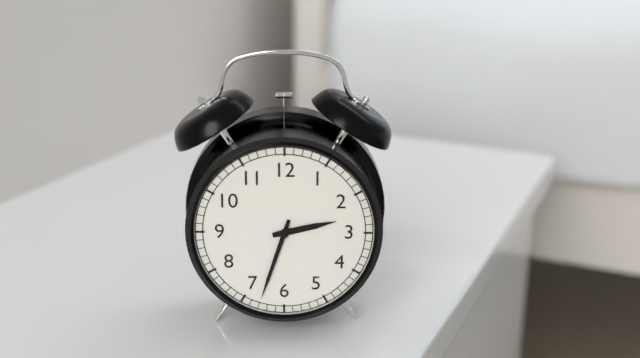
2:33
